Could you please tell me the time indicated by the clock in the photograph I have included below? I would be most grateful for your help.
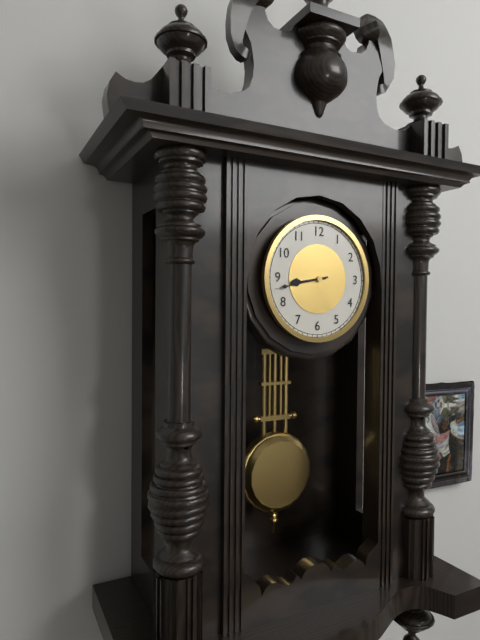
8:43
